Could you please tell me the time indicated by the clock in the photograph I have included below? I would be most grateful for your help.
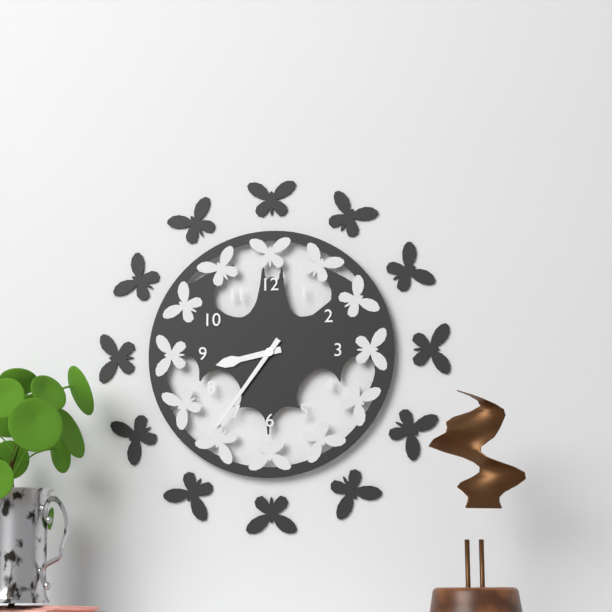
8:36
